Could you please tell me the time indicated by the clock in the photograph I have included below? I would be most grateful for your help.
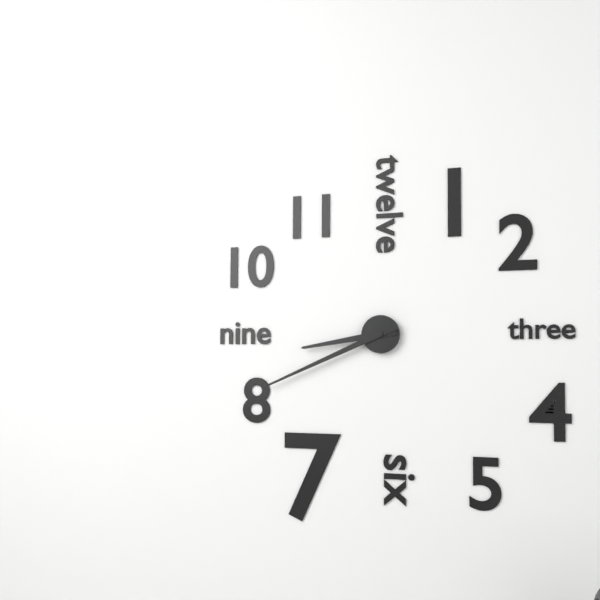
8:41
